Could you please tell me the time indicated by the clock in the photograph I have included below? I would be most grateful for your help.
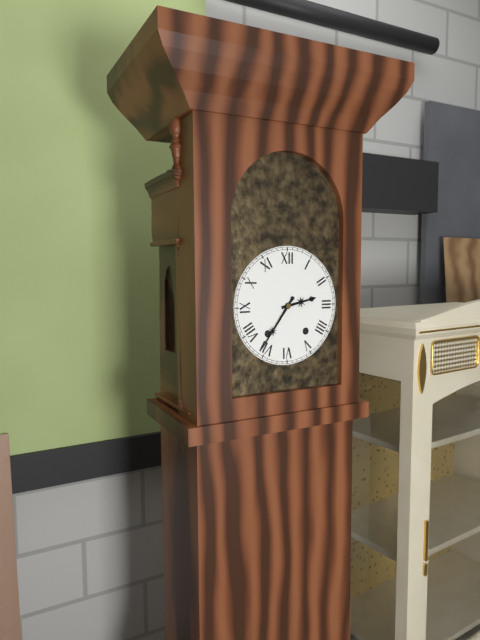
2:36
